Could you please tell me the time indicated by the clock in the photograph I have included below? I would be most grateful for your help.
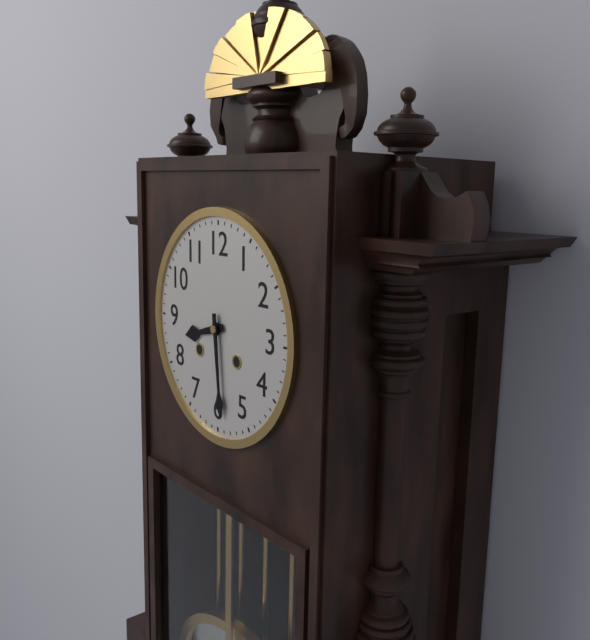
8:29
